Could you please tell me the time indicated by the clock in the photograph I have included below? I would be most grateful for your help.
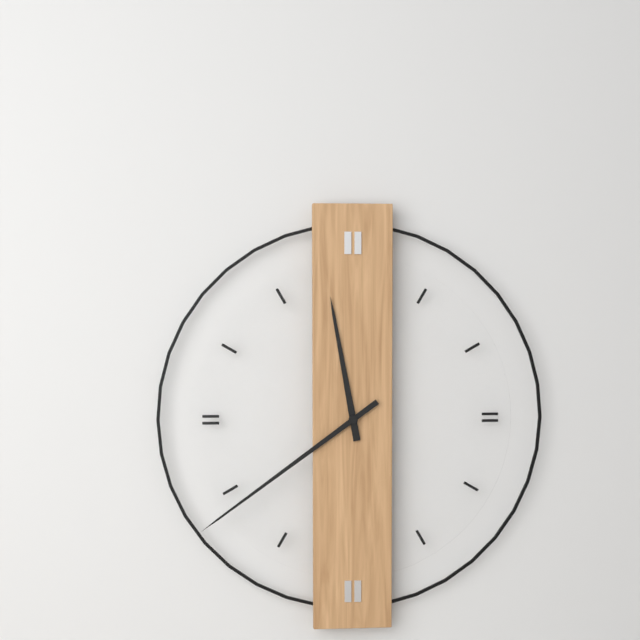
11:39
